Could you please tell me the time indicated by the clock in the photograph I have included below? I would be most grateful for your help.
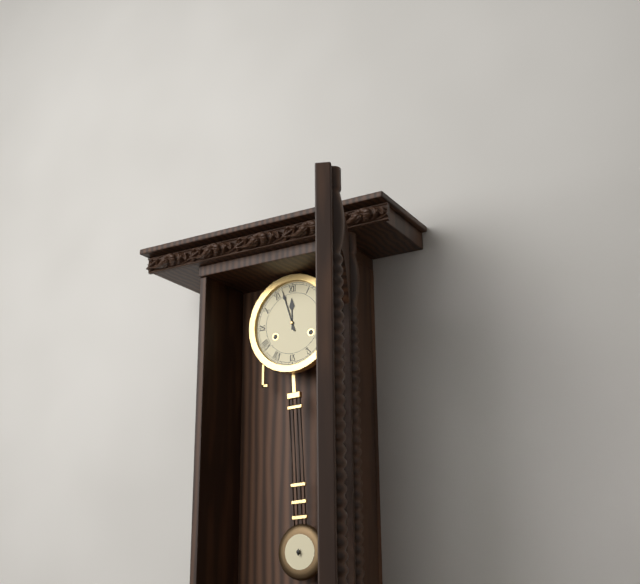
11:57
